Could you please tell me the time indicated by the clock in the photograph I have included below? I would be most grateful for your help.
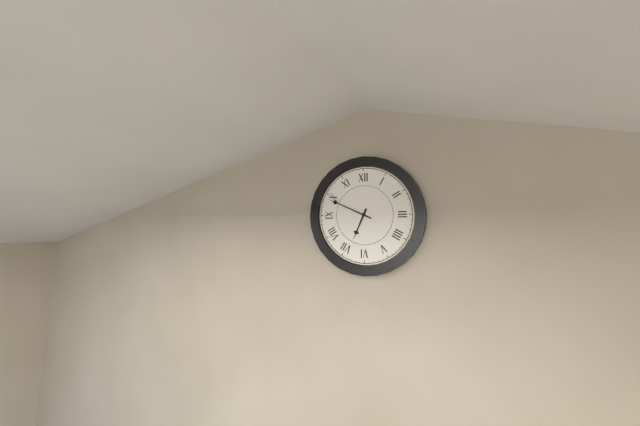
6:49
